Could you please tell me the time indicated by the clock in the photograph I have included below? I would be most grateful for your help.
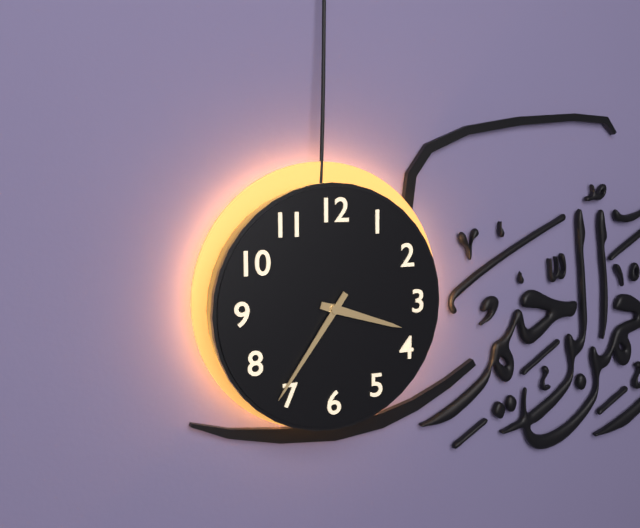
3:36
